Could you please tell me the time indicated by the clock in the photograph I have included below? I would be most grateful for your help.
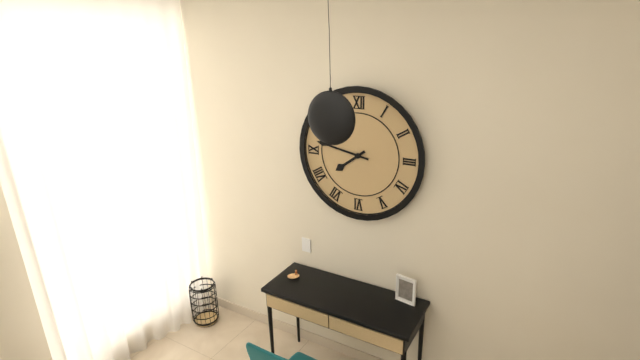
7:47
